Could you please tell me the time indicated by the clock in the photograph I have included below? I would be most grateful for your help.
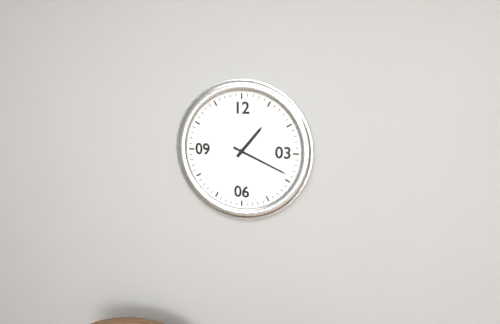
1:19
